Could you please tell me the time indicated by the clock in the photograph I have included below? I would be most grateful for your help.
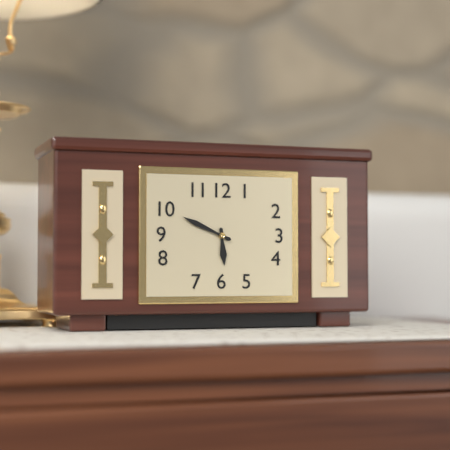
5:49
